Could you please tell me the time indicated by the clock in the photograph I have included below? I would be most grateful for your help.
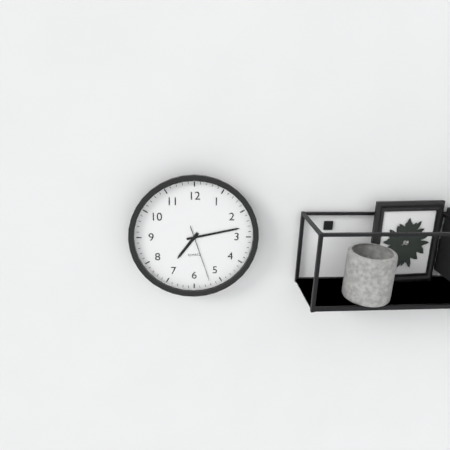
7:13:27
